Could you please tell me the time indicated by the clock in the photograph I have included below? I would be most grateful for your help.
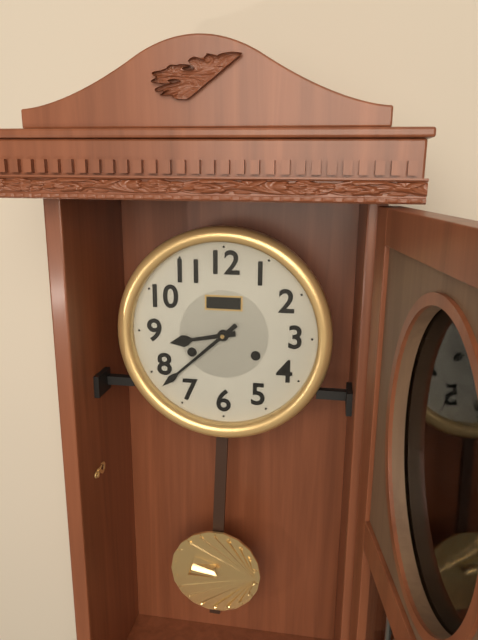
8:38
